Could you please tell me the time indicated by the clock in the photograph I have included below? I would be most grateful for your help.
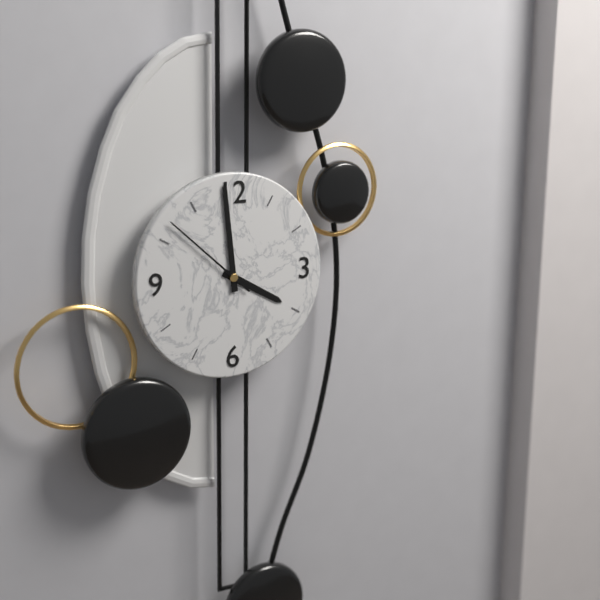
3:59:52
